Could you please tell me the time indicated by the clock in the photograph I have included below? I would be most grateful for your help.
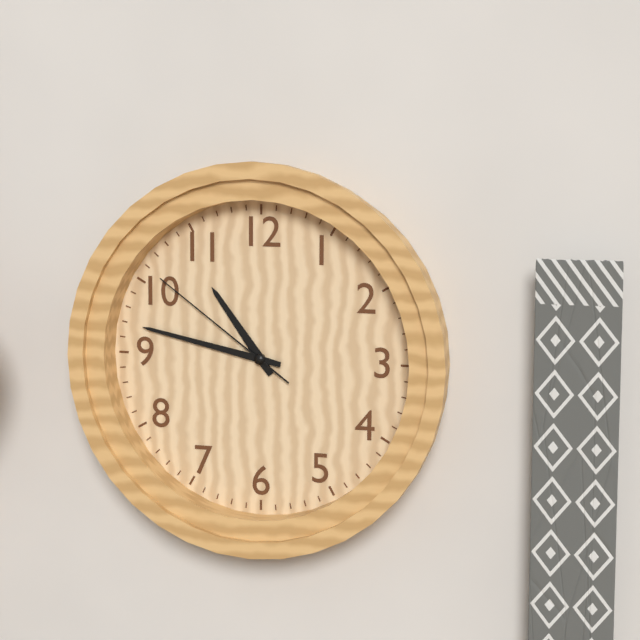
10:47:51
